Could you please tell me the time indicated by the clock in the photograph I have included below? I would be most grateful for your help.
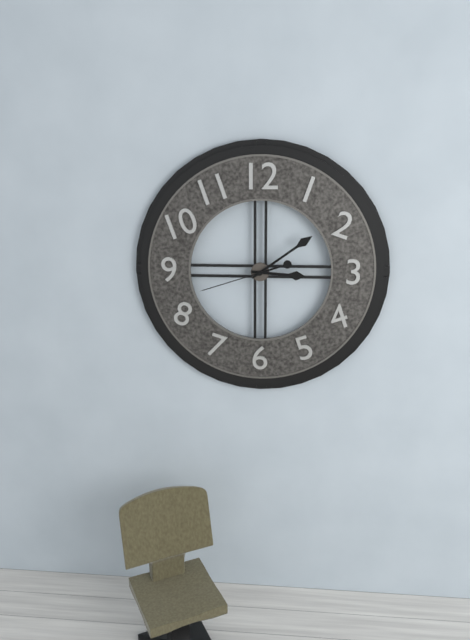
3:09:42
